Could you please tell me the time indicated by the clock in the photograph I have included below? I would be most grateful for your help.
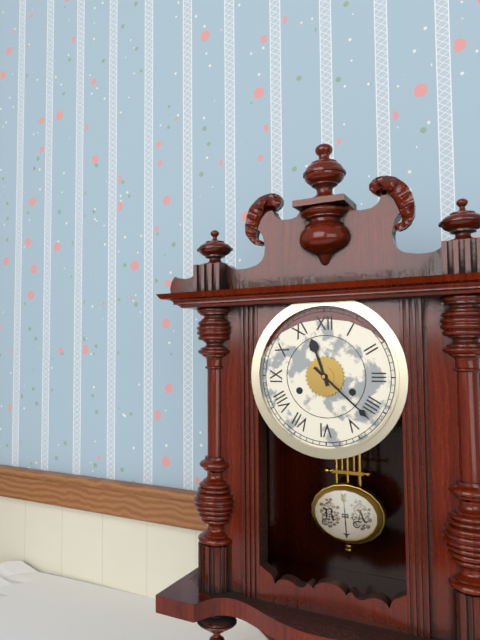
11:22
